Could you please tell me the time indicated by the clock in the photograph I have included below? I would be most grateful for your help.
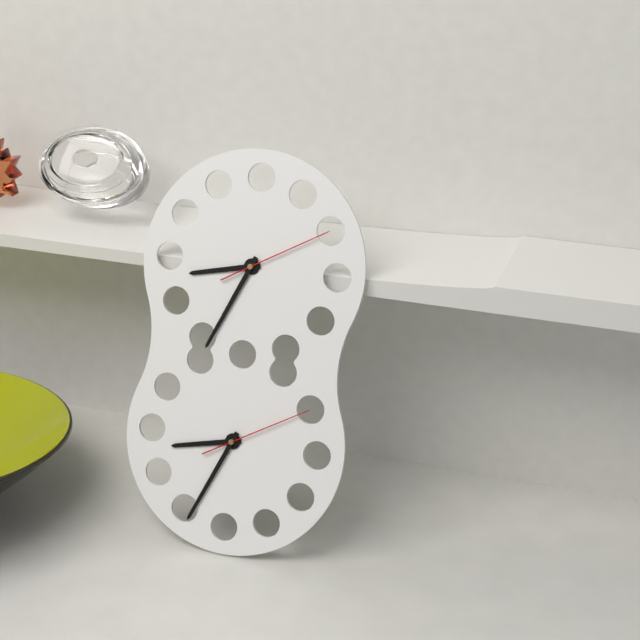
8:34:10
